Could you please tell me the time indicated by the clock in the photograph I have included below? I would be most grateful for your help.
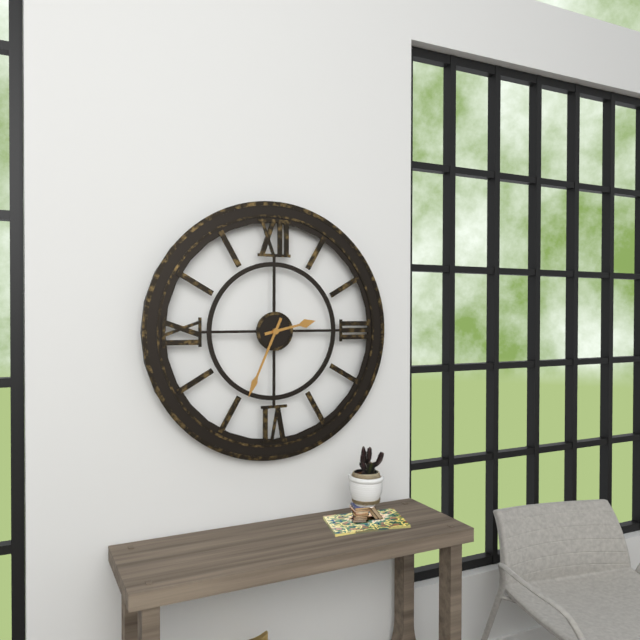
2:34
